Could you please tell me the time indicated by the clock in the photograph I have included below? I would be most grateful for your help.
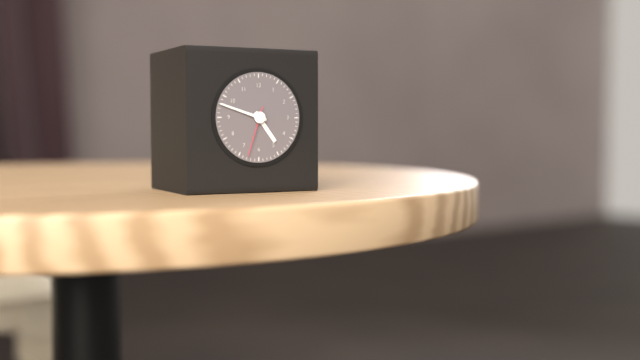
4:48:33
